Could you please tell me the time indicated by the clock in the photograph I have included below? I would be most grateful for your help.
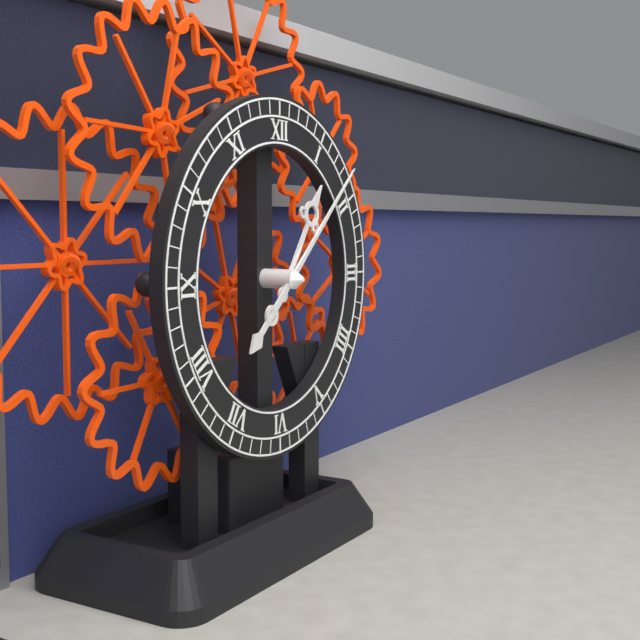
1:08
